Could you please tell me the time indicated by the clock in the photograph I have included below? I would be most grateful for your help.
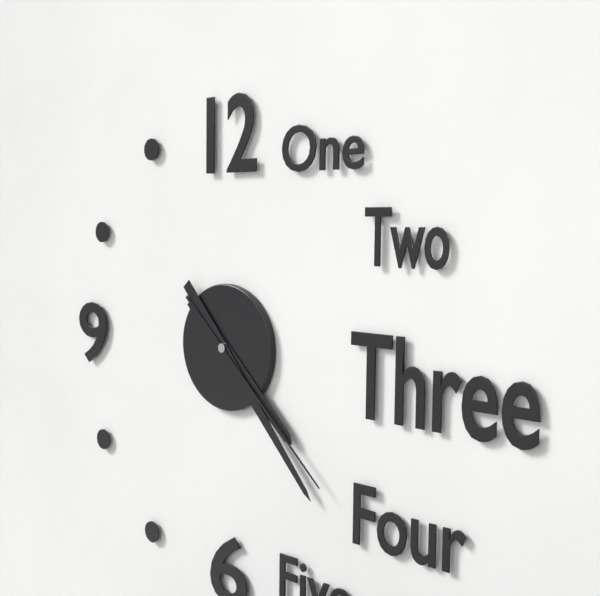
4:23:22
